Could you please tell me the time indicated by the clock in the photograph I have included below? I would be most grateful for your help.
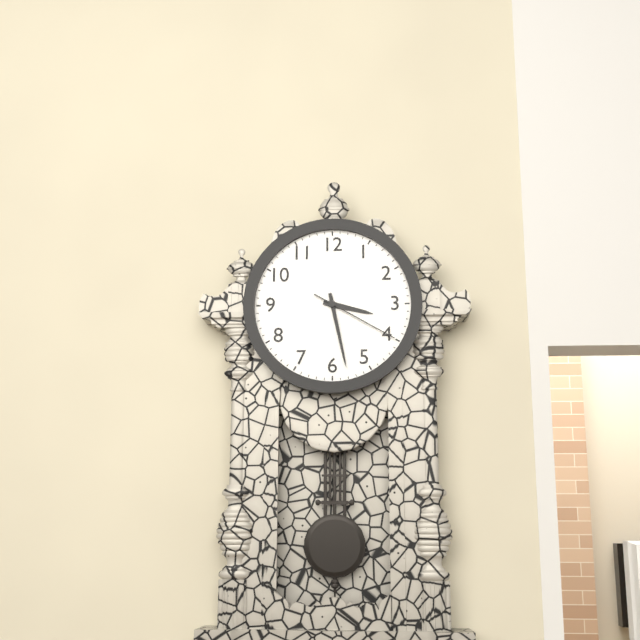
3:28:20
